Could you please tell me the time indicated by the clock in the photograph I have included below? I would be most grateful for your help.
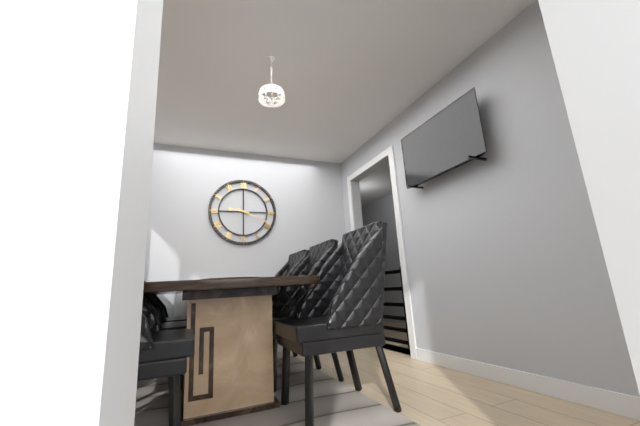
9:19
